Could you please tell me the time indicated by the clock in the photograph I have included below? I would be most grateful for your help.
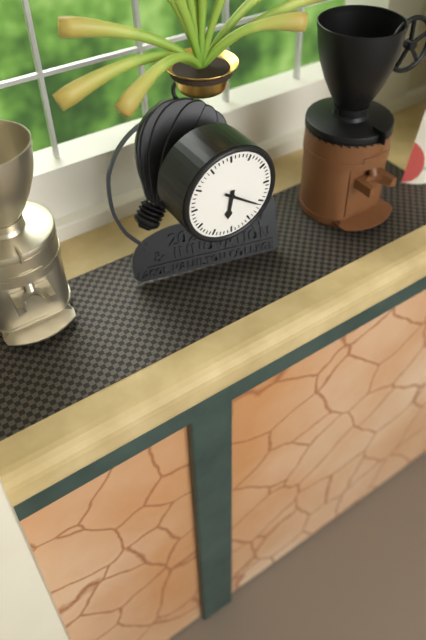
6:21
